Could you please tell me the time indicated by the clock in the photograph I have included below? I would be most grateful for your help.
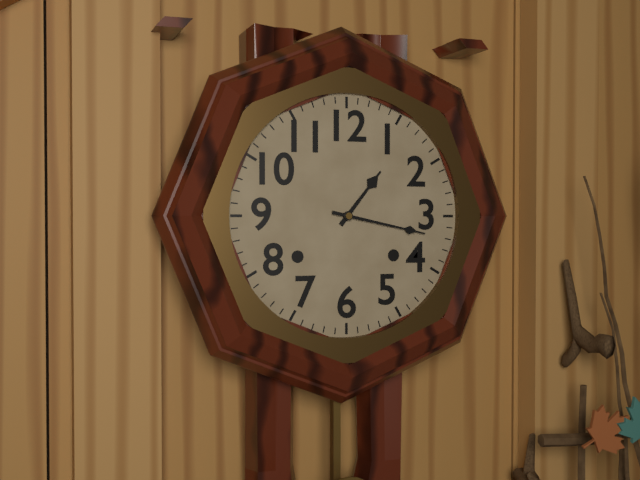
1:17
